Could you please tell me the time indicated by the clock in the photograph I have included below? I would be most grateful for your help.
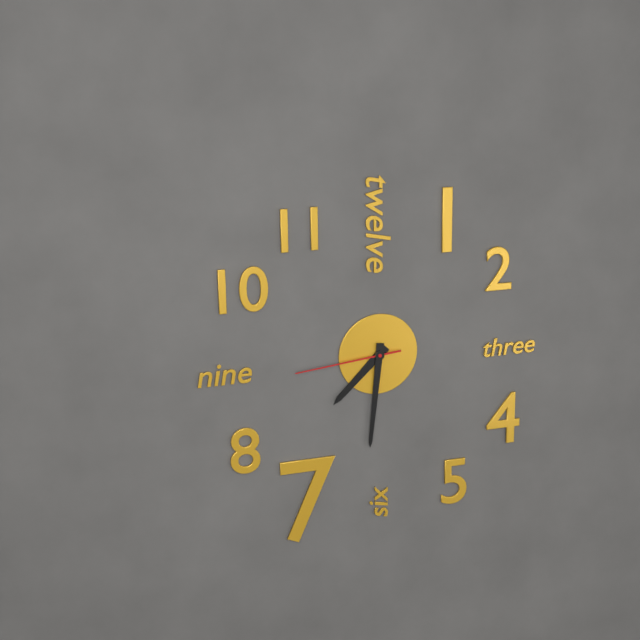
7:31:44
